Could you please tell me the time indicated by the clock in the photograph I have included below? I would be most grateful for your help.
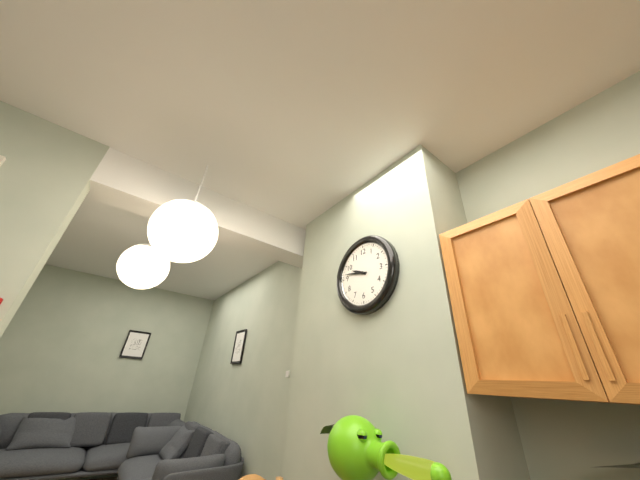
9:47
